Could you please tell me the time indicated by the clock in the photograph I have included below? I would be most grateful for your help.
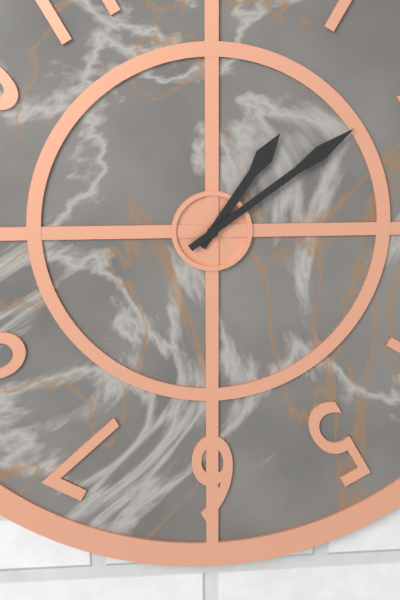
1:09
